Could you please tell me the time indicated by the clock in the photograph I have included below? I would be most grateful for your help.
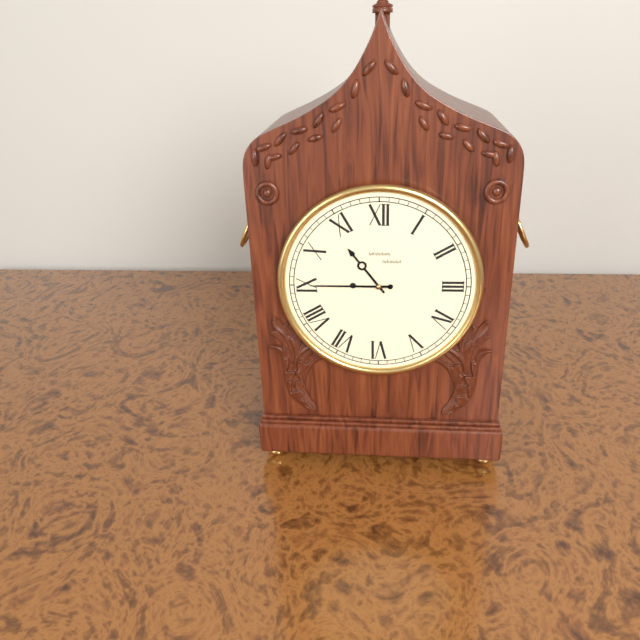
10:45
